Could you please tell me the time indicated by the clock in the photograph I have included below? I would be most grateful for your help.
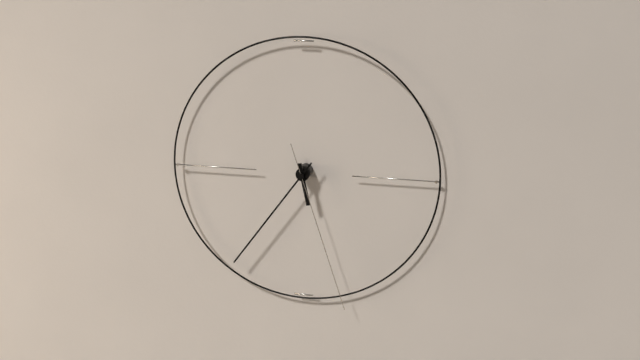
5:36:27
